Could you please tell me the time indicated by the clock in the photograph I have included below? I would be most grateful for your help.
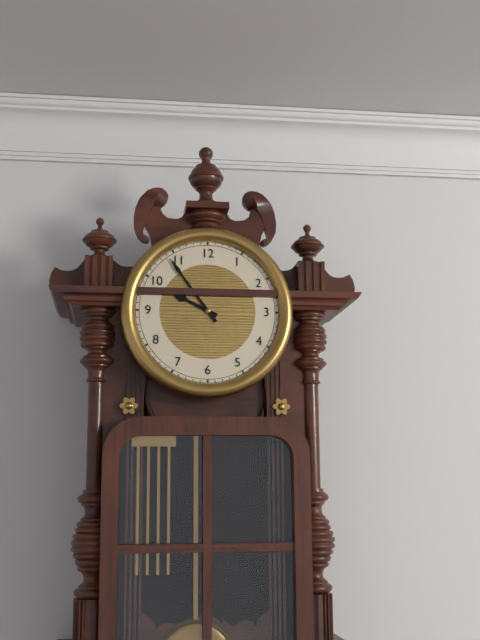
9:54
